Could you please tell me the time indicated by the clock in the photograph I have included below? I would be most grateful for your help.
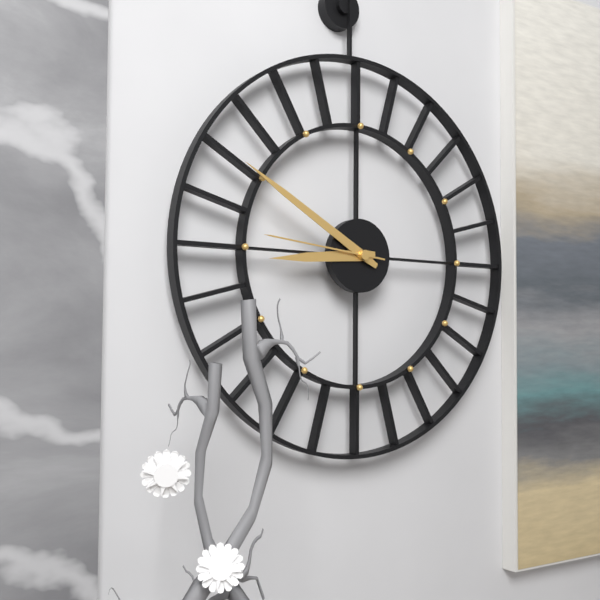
8:50:46
